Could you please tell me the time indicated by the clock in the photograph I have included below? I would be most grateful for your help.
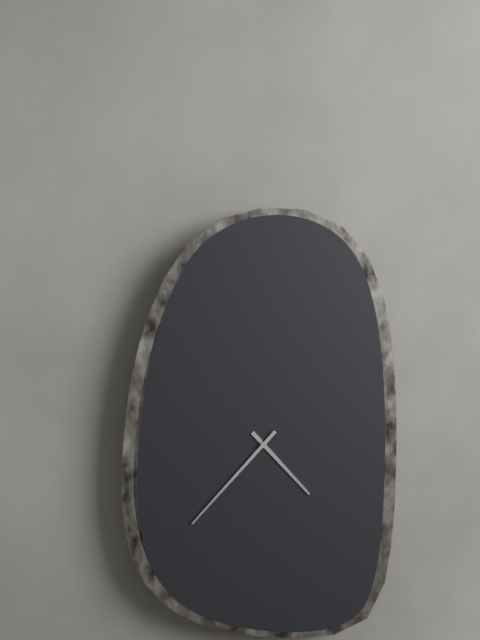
4:37
